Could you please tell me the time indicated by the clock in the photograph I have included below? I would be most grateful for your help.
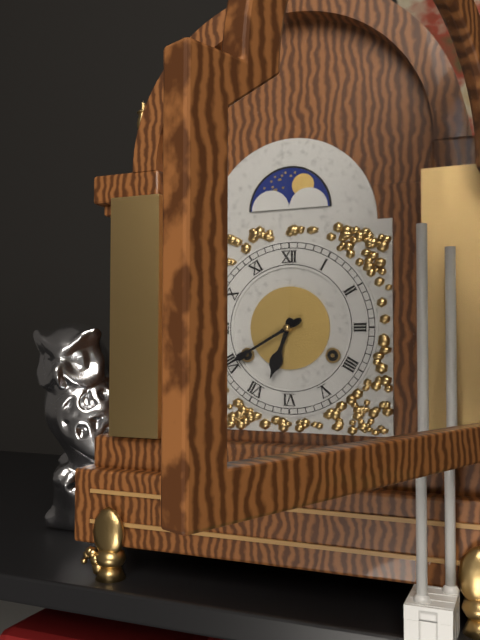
6:40
